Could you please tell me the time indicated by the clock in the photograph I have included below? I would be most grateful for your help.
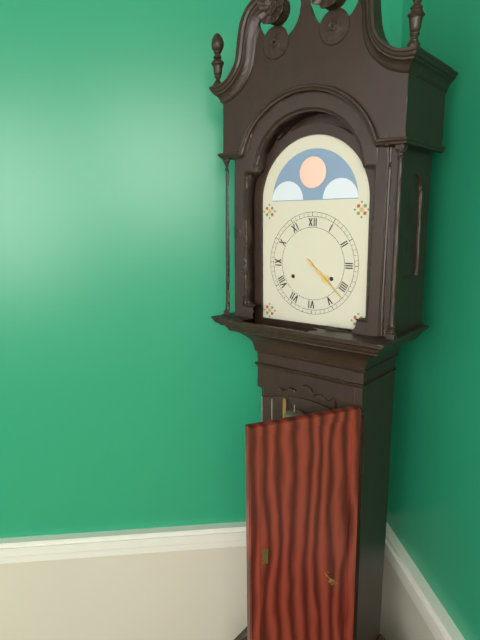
4:22
